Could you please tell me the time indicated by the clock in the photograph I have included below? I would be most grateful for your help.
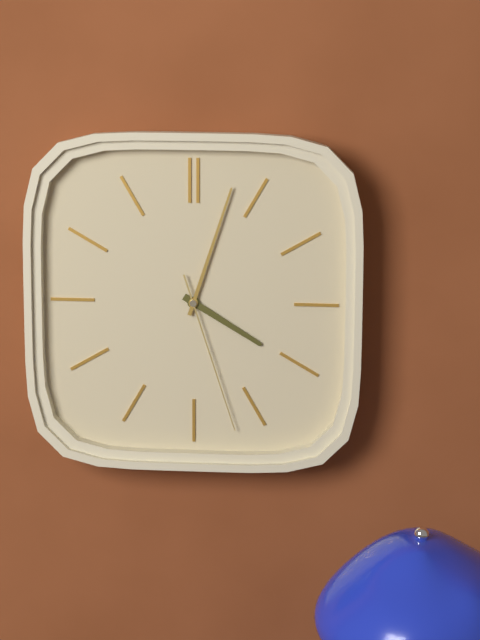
4:03:27
